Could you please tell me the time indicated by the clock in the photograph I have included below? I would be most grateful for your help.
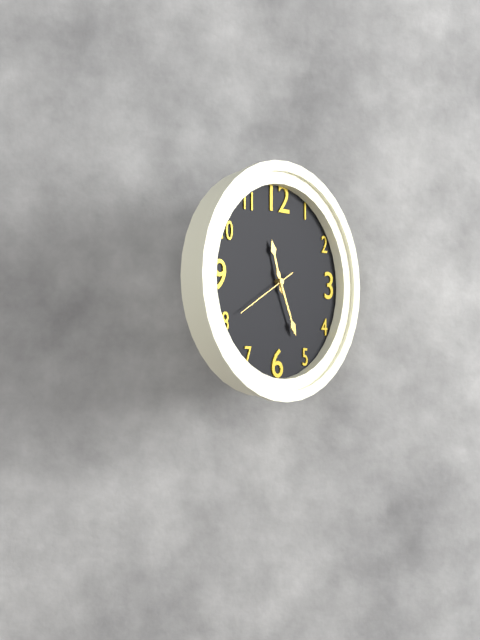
11:26:40
